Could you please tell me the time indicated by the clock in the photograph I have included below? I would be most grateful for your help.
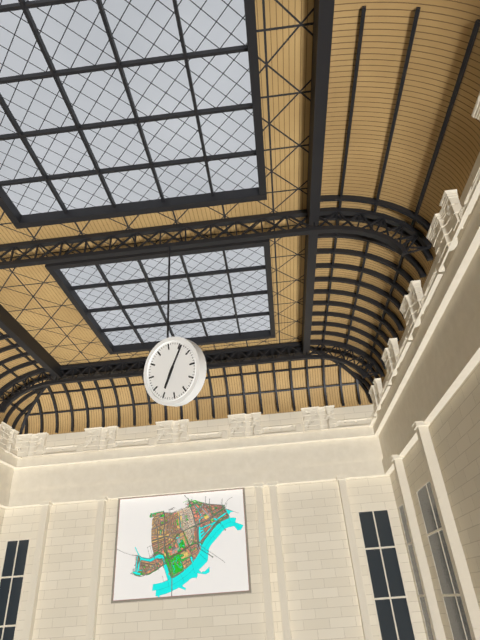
7:06
